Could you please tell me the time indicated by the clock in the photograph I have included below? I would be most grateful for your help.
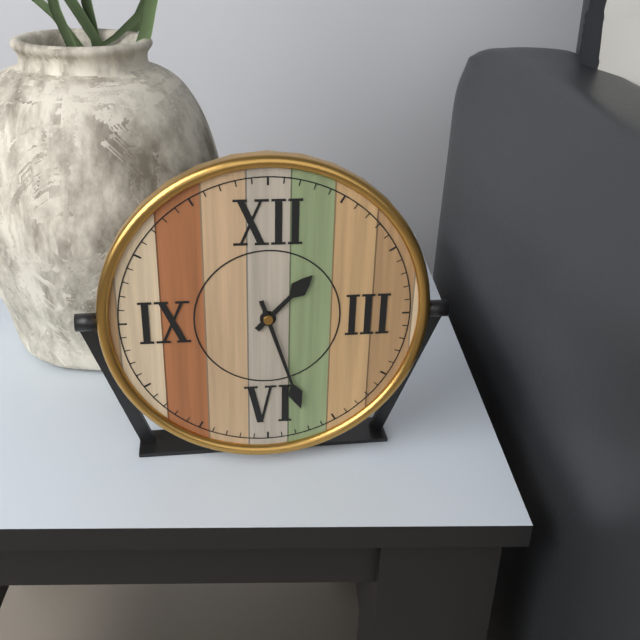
1:27
